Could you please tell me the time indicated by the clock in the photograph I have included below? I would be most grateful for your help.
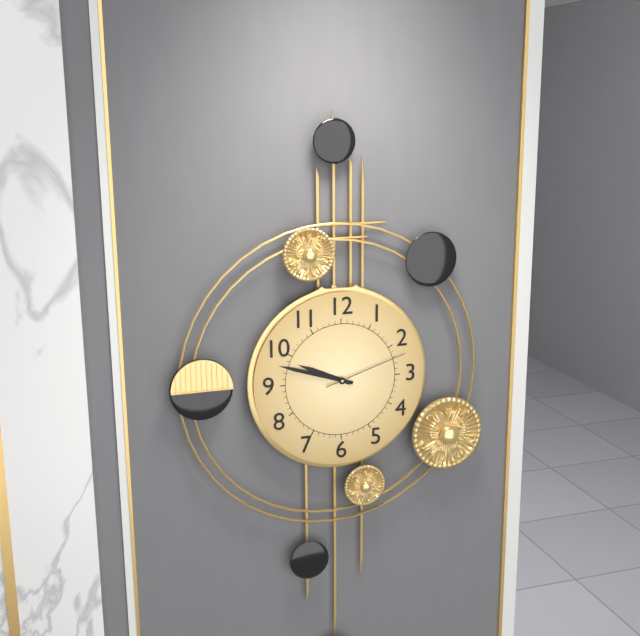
9:48:12
